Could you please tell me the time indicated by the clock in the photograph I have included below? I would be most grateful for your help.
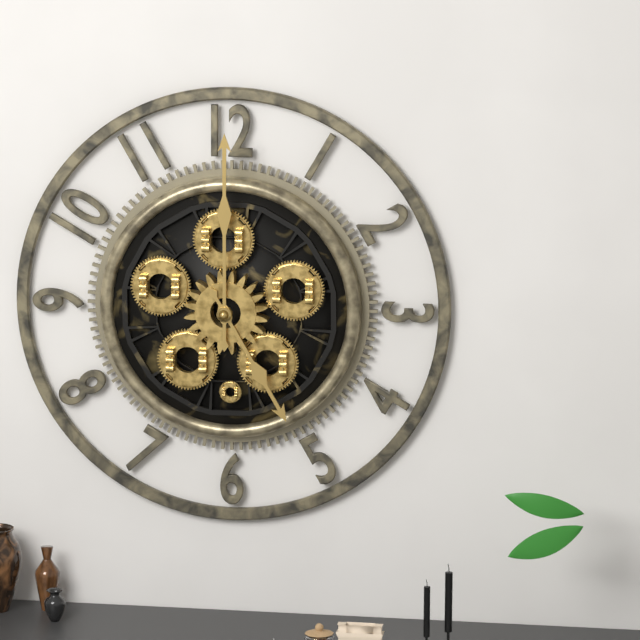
5:00
